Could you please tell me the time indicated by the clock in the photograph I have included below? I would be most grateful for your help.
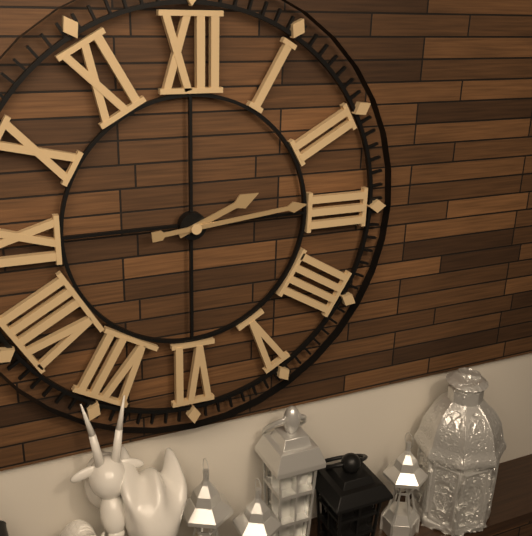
2:14
